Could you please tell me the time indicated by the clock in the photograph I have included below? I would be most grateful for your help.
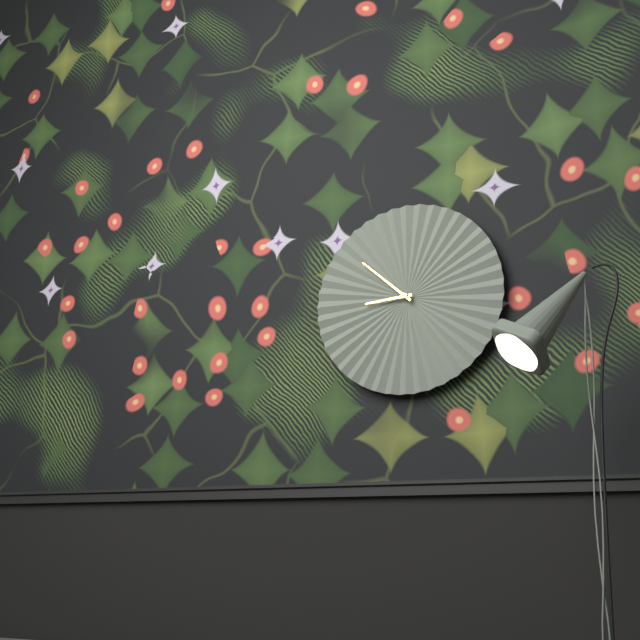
8:52
